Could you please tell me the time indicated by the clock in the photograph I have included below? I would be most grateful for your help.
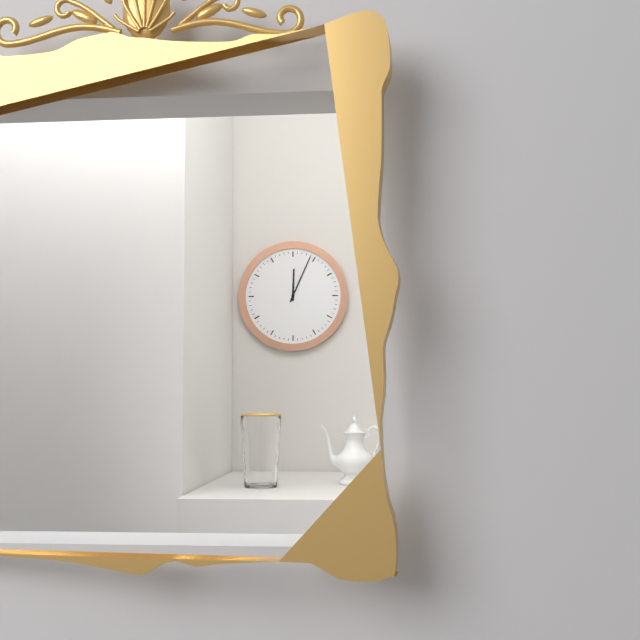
12:04
